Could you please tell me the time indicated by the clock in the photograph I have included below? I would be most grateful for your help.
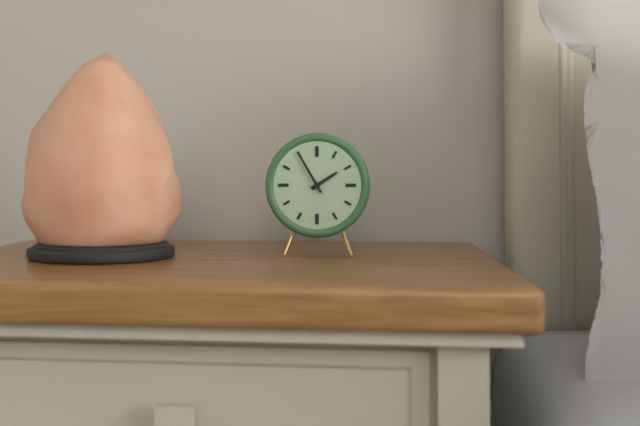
1:55
